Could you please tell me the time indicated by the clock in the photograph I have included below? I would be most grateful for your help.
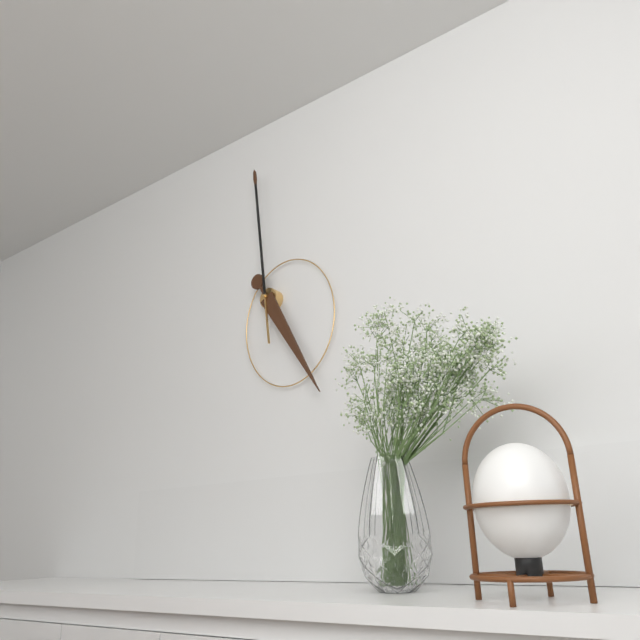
4:59
